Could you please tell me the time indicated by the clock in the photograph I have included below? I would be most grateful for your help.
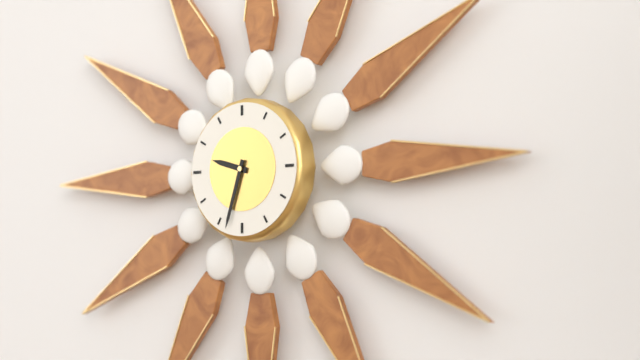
9:33
